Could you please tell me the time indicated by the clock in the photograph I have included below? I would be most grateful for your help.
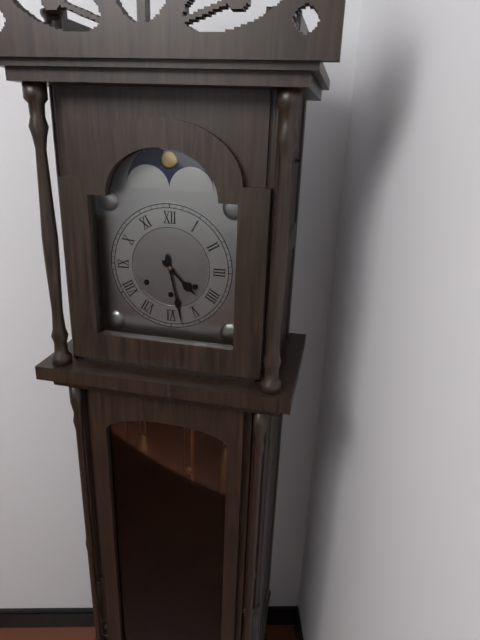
4:28
